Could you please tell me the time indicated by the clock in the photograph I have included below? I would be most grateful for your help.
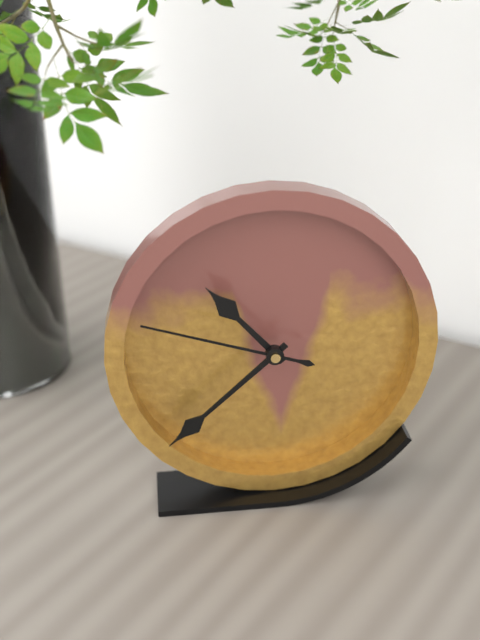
10:38:48
